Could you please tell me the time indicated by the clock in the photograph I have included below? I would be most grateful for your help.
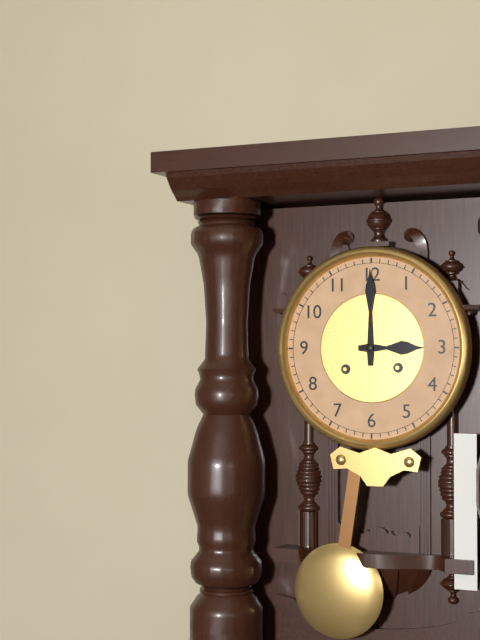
3:00
